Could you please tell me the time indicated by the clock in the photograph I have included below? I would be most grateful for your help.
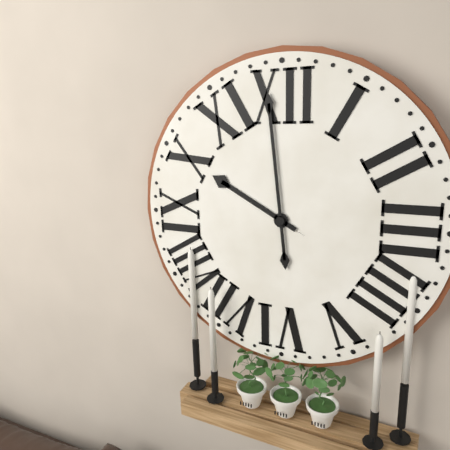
9:59
